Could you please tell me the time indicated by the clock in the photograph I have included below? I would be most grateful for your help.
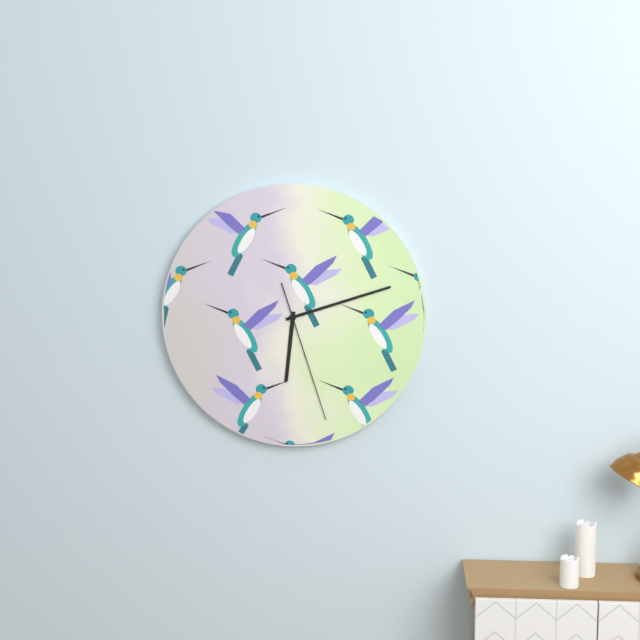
6:12:27
